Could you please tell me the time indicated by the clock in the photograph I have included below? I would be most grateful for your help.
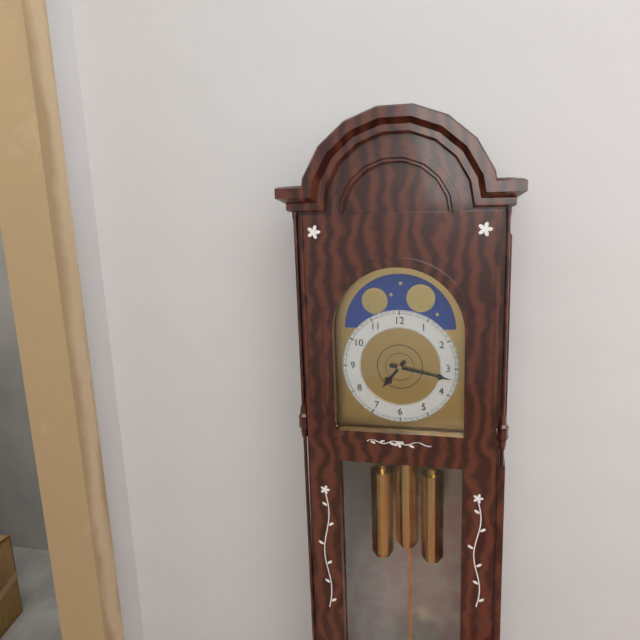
7:17
